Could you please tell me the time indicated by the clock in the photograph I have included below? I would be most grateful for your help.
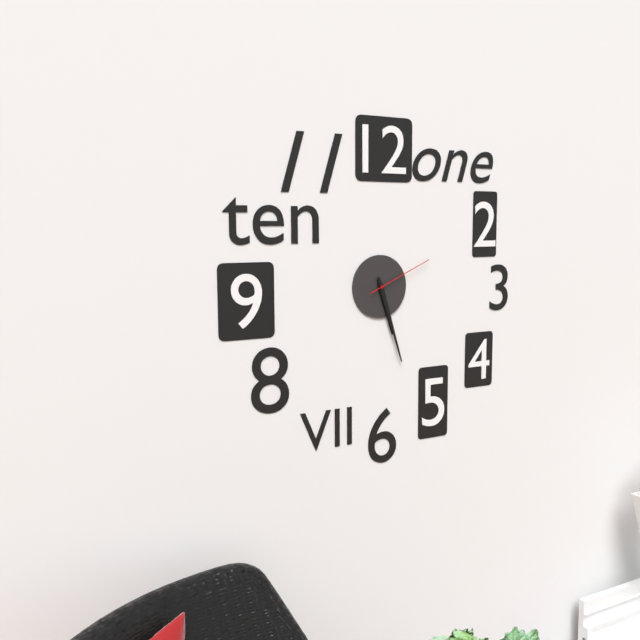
5:27:11
